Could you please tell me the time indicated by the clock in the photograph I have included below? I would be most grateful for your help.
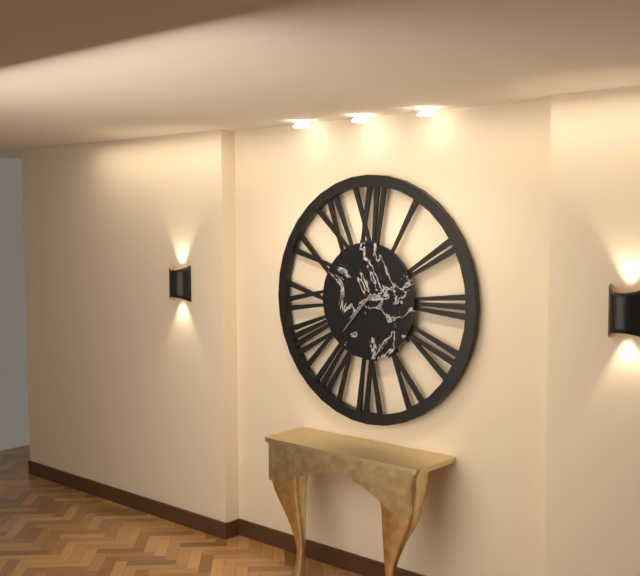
7:37
